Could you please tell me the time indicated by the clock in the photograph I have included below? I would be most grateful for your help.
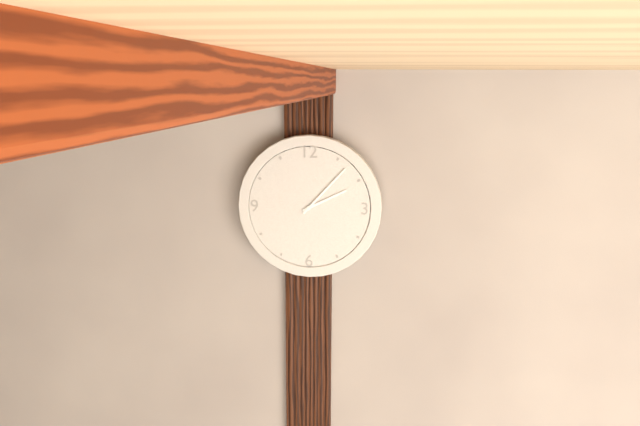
2:07
